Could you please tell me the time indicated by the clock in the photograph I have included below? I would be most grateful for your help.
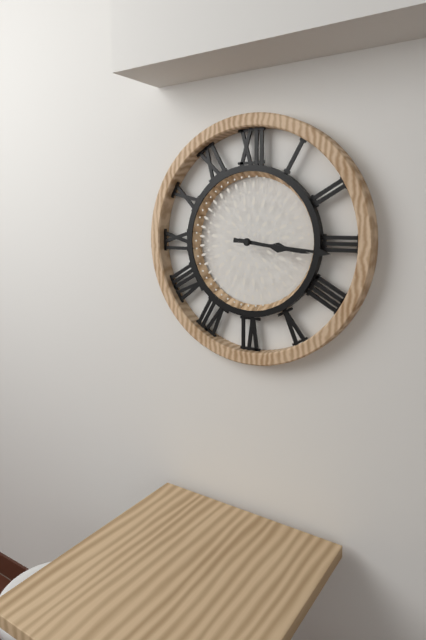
3:16
